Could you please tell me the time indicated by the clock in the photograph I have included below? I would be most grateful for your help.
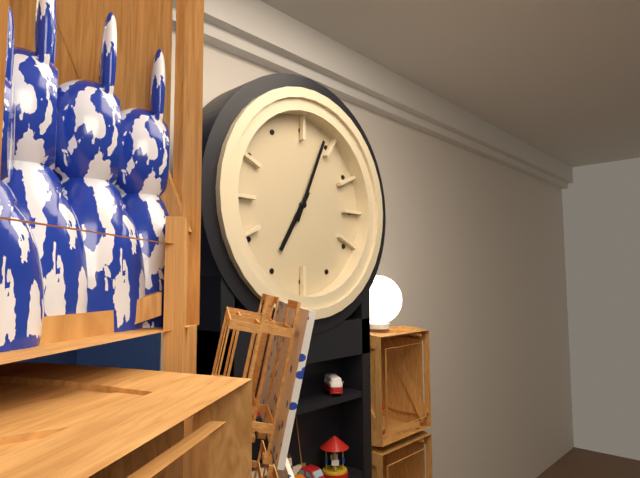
7:04
